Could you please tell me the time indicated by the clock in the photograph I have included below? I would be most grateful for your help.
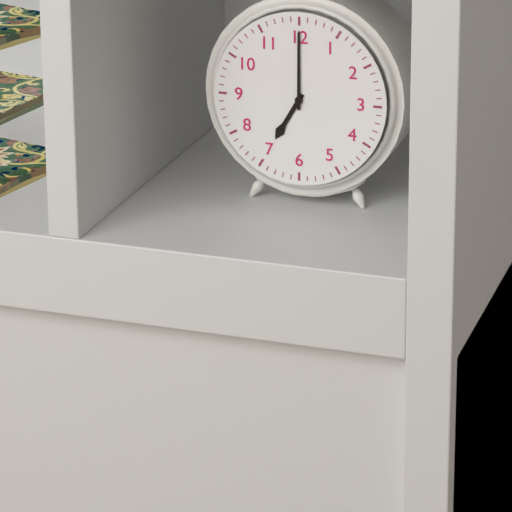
7:00
